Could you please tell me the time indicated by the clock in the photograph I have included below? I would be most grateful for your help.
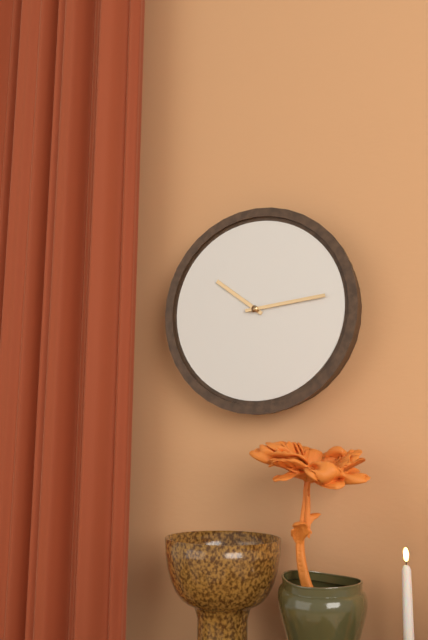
10:14
